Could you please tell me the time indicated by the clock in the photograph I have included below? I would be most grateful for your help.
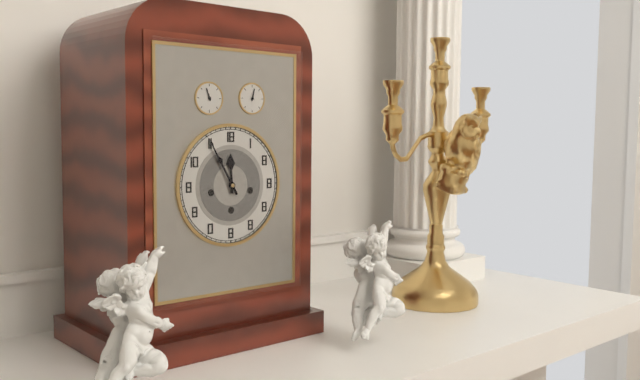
11:55
